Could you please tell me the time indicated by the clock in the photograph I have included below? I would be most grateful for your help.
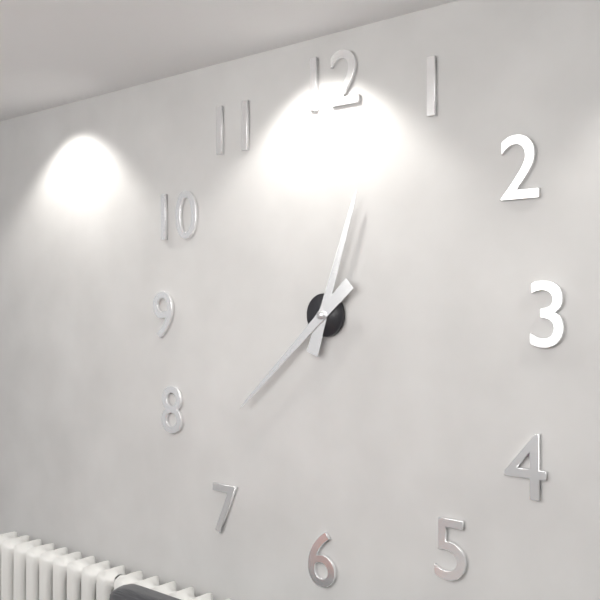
12:38
